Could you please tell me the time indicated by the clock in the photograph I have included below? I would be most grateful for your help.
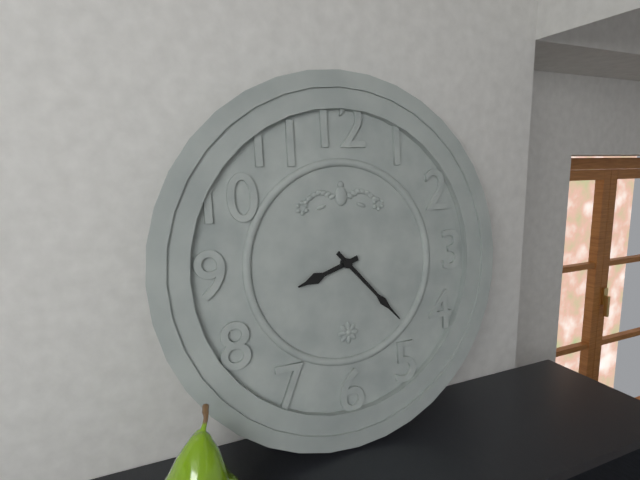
8:23
